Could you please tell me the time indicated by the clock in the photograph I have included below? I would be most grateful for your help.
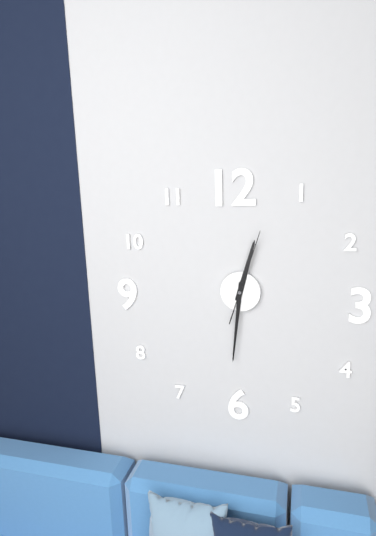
12:31:03
